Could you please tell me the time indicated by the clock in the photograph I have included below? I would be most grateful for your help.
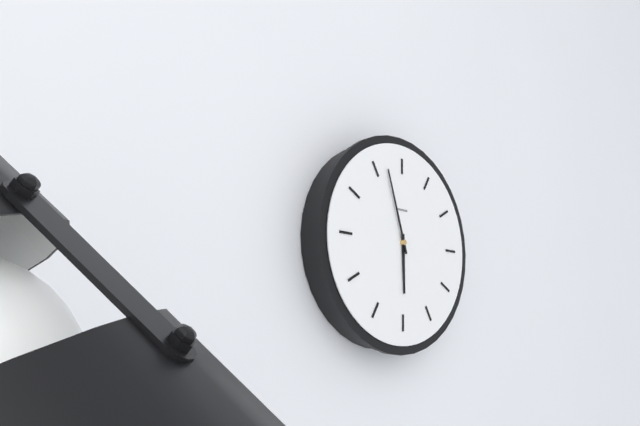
5:57
